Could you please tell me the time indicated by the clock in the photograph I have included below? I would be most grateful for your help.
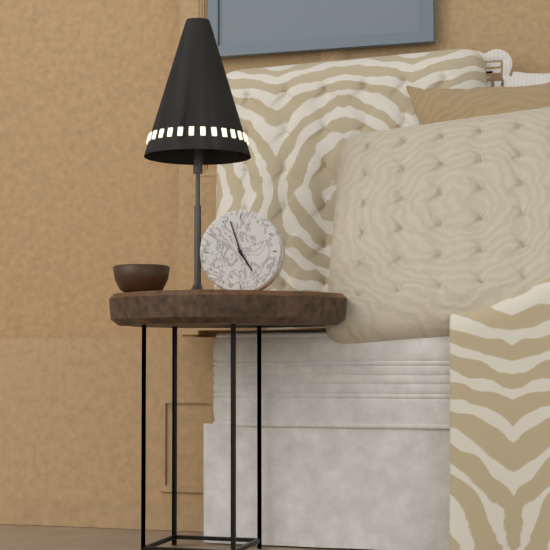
4:57
